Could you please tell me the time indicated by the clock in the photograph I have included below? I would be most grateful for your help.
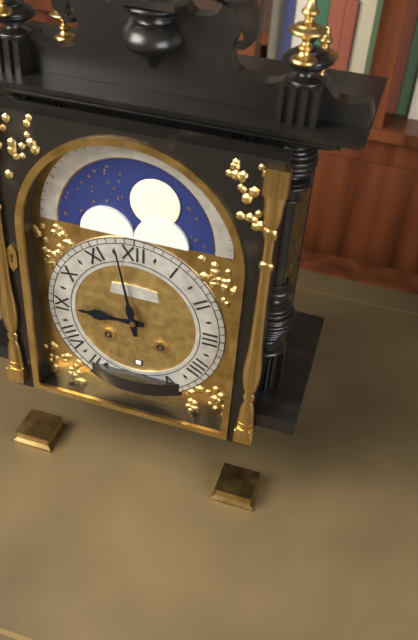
8:58
